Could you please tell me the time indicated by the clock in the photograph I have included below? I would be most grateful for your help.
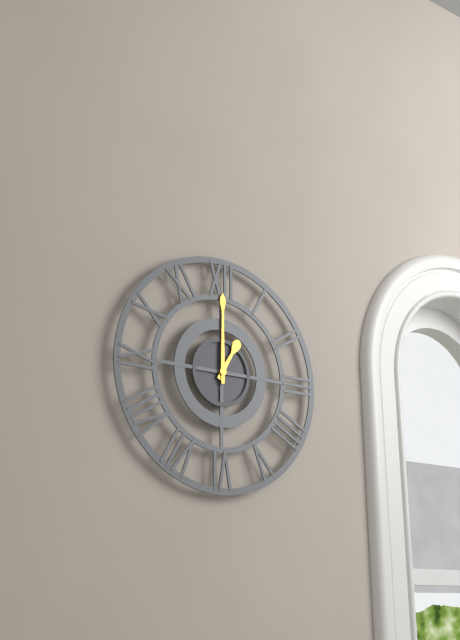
1:00
